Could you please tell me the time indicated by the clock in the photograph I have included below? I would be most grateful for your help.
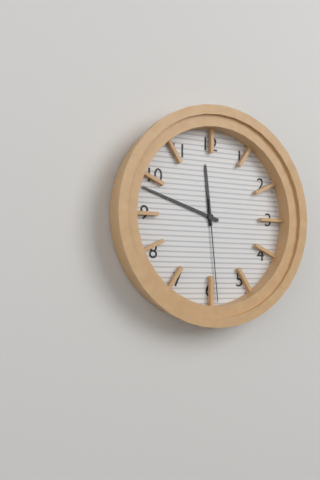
11:48:29
